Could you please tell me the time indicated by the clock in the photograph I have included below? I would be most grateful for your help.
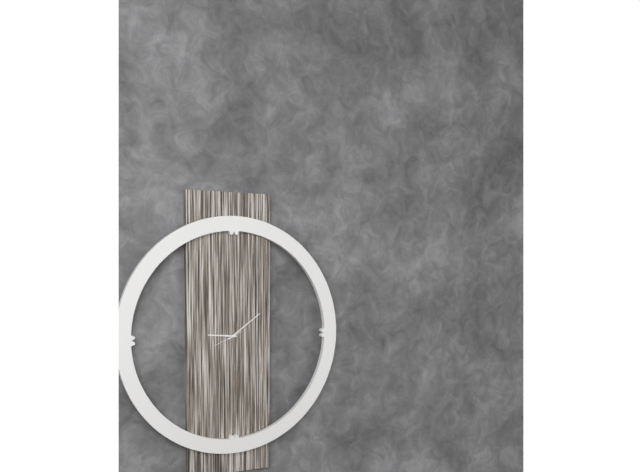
9:09
